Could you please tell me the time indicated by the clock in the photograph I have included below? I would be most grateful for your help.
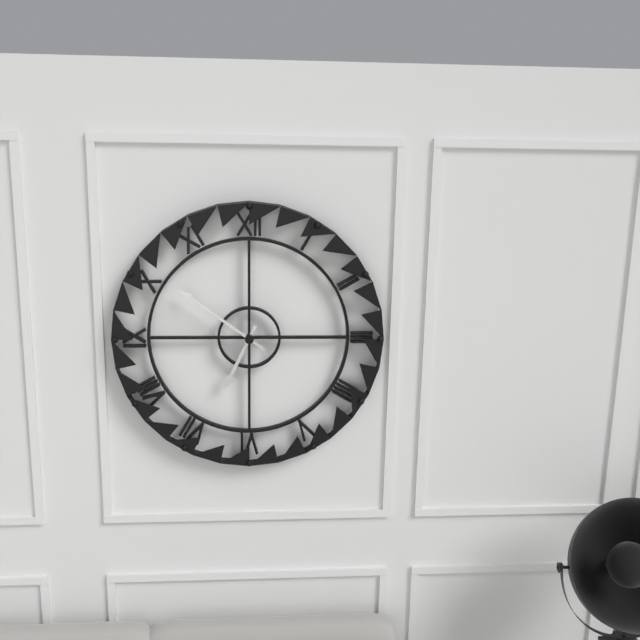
6:51
